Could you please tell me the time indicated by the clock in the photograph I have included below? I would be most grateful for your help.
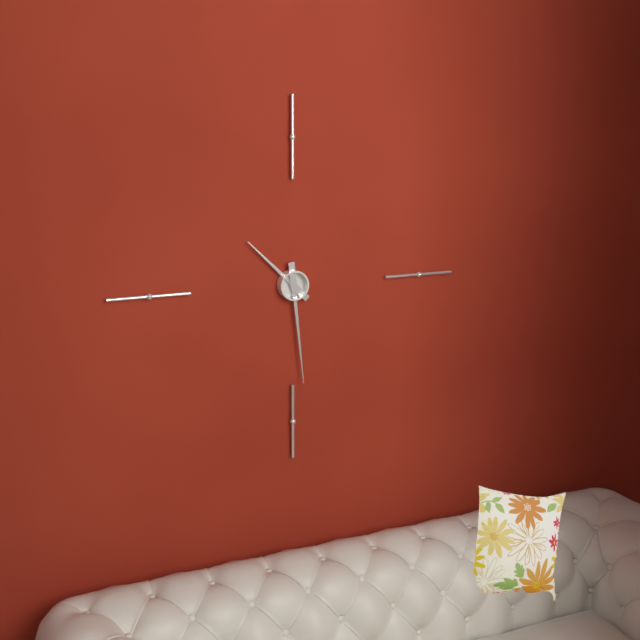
10:29
